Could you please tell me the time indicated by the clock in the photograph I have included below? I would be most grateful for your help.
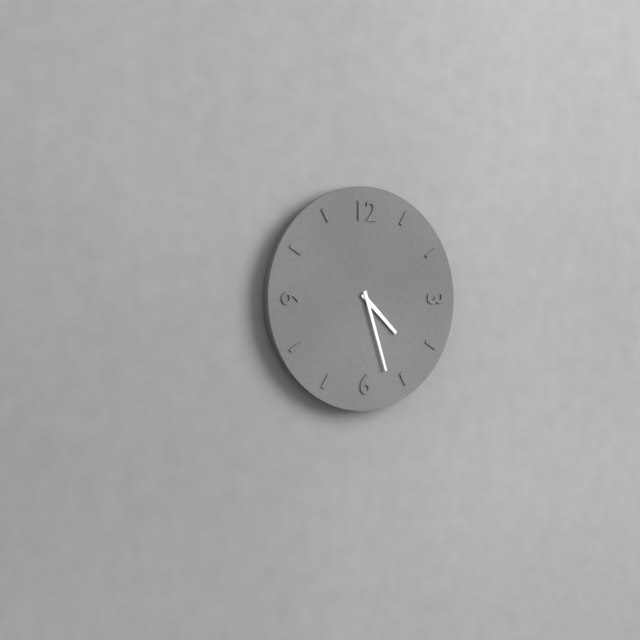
4:27
